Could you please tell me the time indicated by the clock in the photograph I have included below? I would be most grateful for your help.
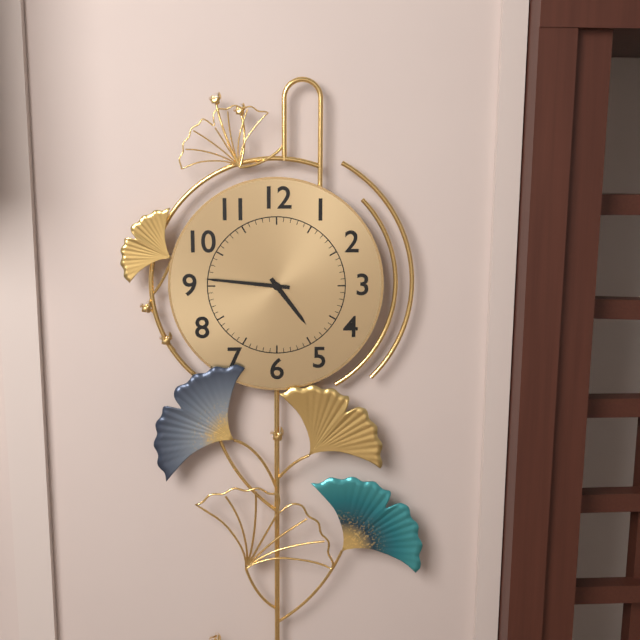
4:46
